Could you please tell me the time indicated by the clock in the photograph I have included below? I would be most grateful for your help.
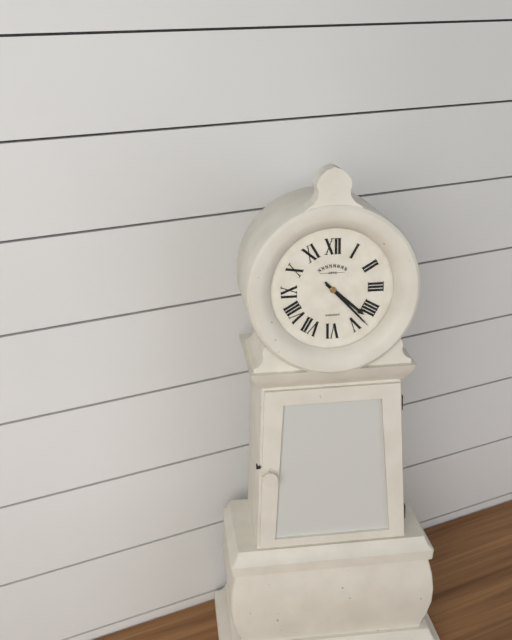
4:23
